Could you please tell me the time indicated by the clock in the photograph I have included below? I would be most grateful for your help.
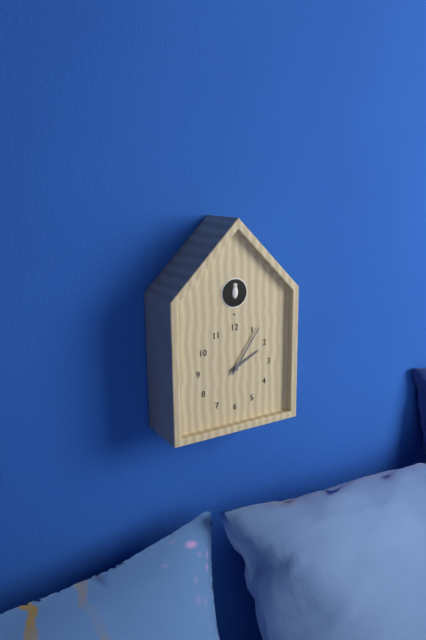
2:06
